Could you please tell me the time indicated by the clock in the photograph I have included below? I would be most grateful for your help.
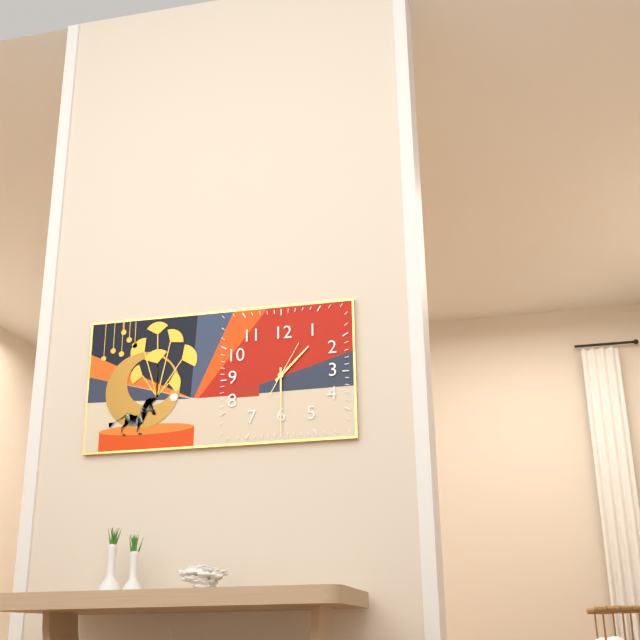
1:30
